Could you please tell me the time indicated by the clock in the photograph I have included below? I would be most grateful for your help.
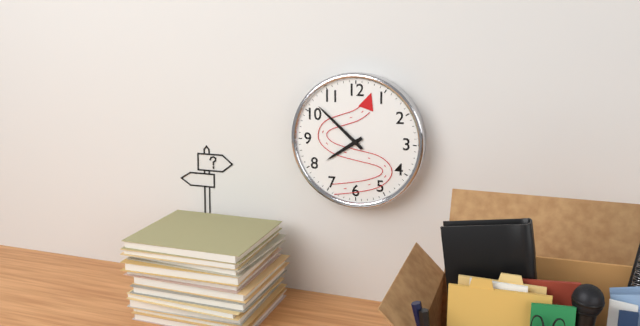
7:52
